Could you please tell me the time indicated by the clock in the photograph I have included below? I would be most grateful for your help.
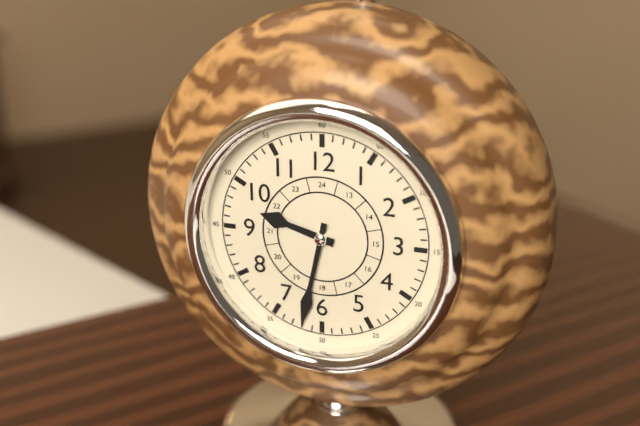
9:32
